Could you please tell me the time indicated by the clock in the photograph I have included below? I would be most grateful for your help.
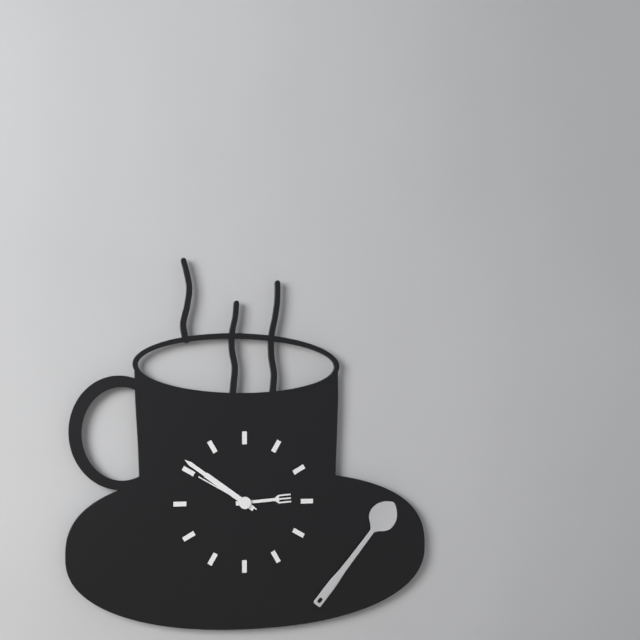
2:51:50
